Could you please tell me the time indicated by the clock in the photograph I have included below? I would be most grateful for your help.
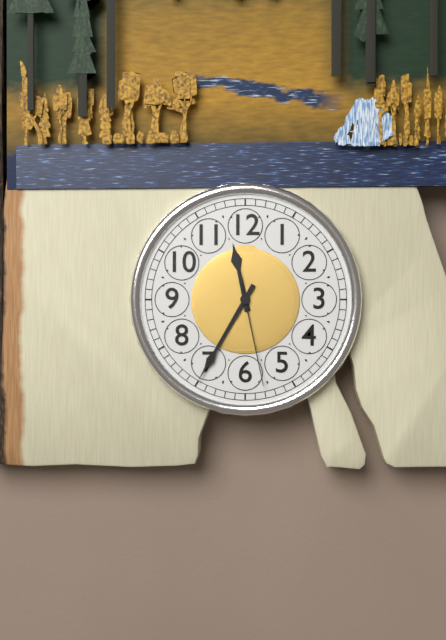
11:35:28
